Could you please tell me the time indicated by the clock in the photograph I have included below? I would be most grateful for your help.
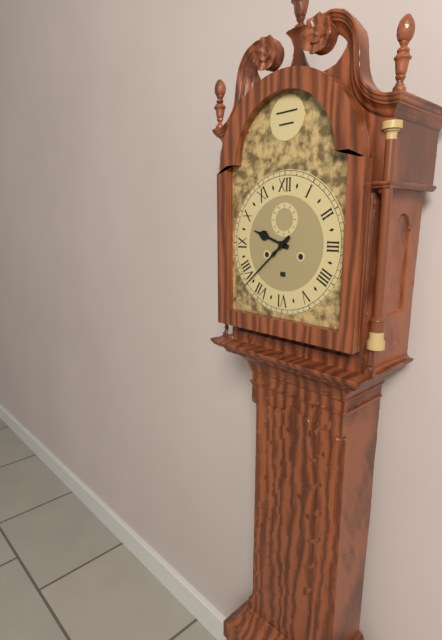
9:38
